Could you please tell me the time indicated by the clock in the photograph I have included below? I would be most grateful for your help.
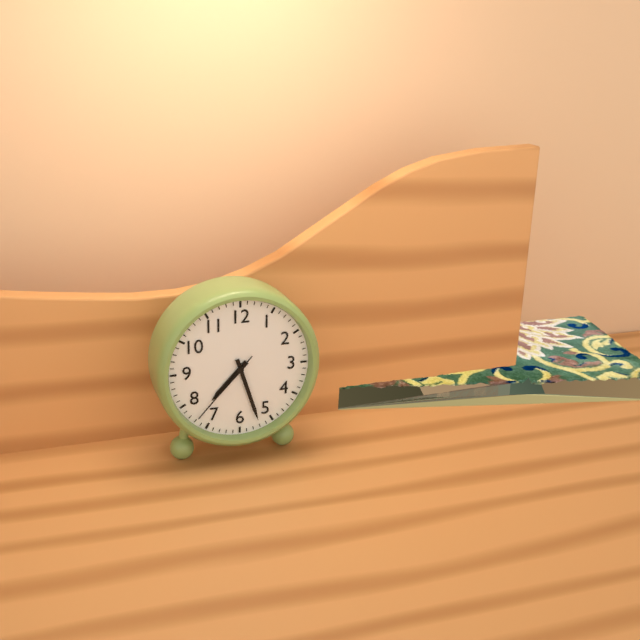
7:27:37
